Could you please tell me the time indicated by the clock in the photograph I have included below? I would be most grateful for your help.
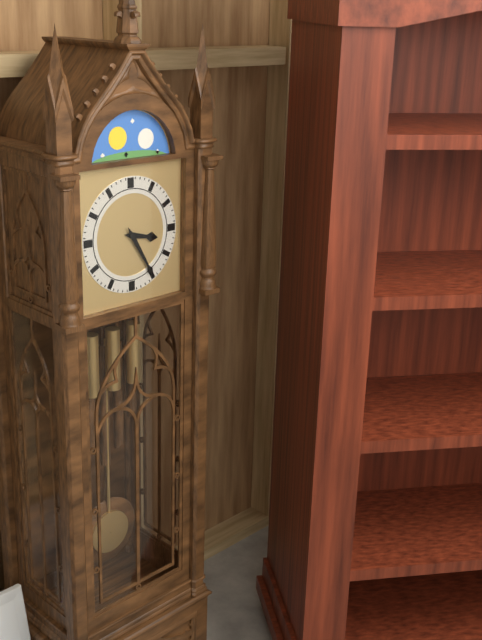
3:25
